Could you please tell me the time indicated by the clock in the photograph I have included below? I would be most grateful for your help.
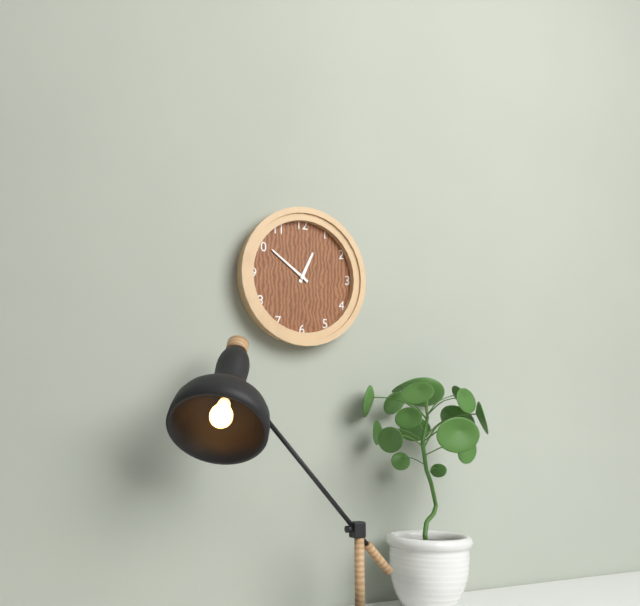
12:51
